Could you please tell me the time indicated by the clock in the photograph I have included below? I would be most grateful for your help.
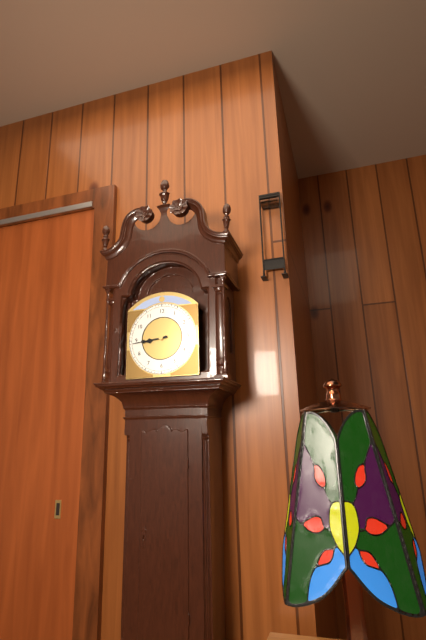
8:44
